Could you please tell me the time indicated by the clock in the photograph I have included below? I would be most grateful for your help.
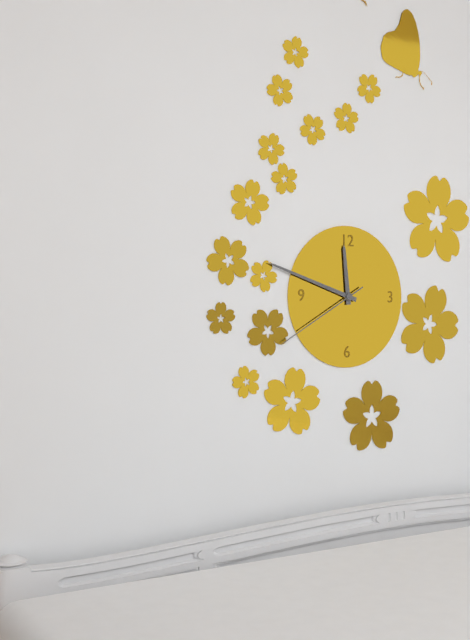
11:48:40
